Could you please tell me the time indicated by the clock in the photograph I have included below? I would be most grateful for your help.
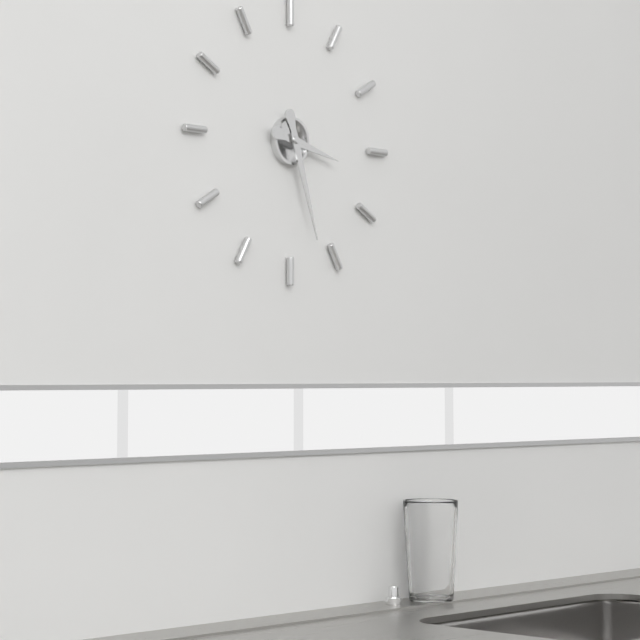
3:27
